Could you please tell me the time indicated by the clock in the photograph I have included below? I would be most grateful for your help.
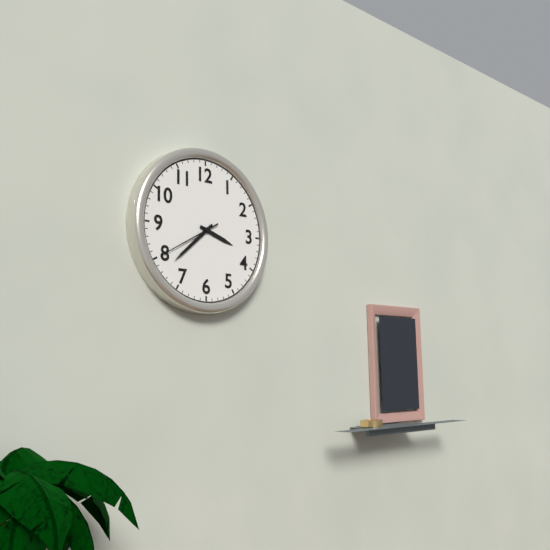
3:38:40
